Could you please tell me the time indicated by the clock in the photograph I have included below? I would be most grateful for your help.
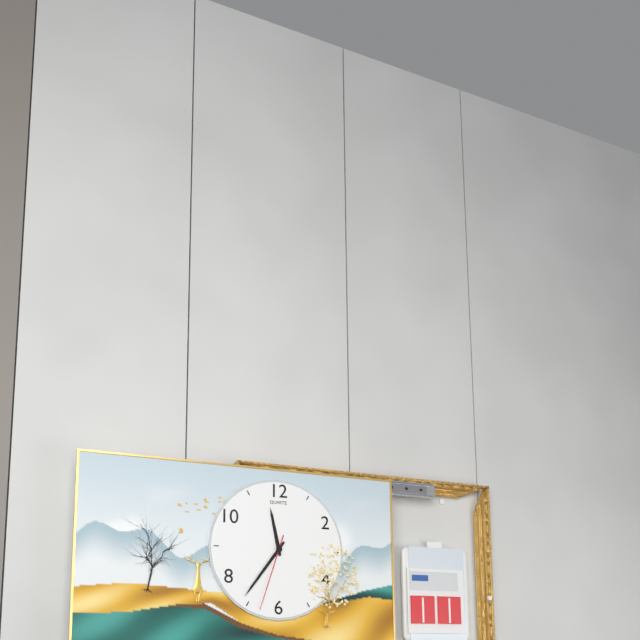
11:36:33
